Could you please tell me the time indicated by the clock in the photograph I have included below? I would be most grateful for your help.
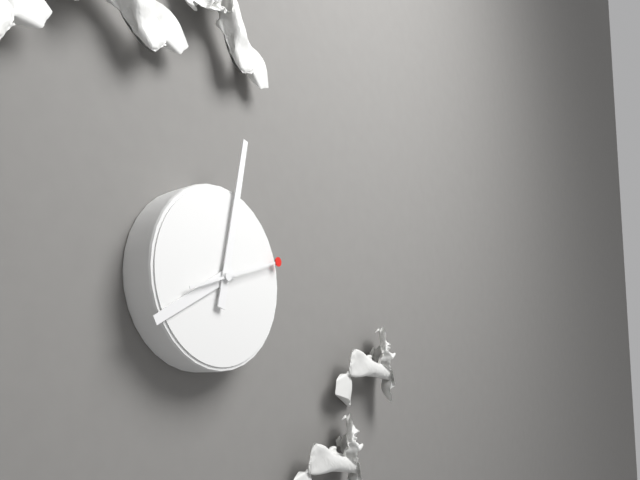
8:02:12
